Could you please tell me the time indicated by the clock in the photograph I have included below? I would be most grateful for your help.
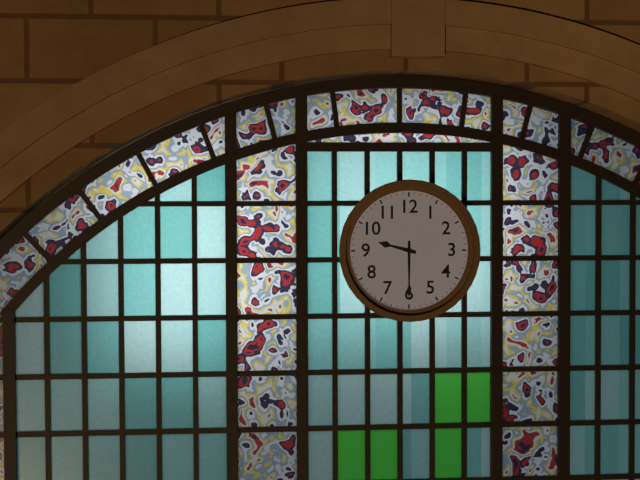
9:30
